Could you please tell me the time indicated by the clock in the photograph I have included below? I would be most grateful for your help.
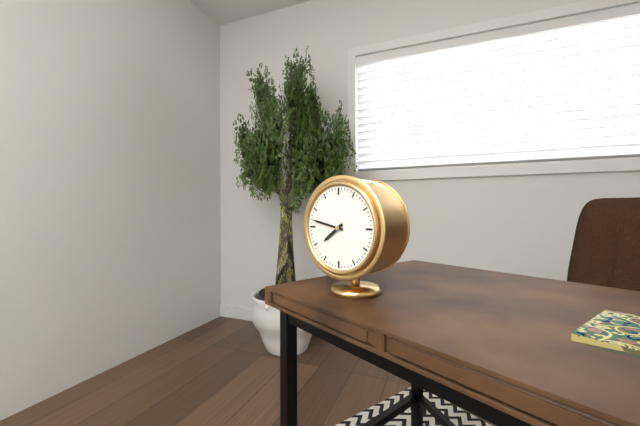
7:47
